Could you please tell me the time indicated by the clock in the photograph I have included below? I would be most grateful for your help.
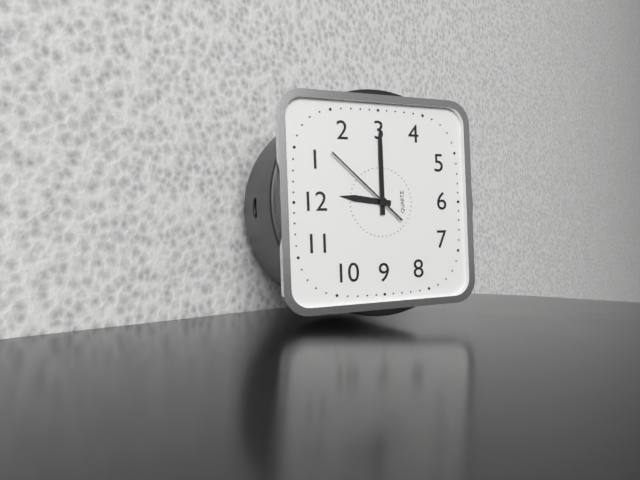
12:15:07
